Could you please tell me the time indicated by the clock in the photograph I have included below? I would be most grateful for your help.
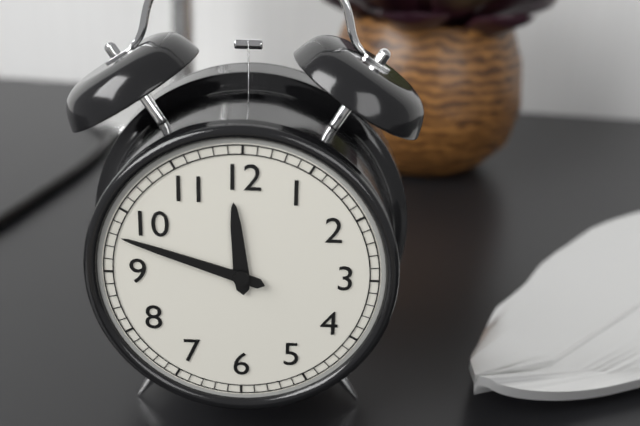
11:48
